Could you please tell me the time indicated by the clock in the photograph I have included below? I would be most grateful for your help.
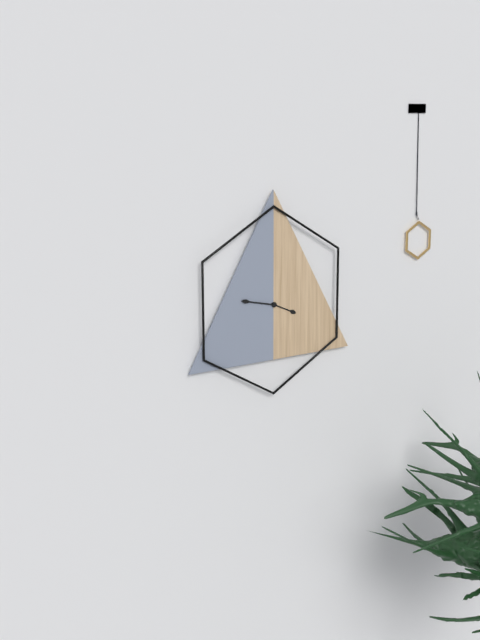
3:47
